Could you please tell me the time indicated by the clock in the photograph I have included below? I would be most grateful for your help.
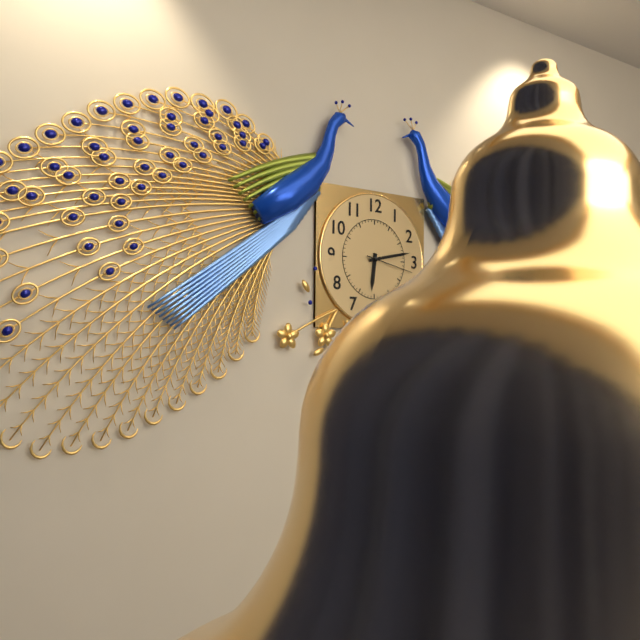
6:13:17
